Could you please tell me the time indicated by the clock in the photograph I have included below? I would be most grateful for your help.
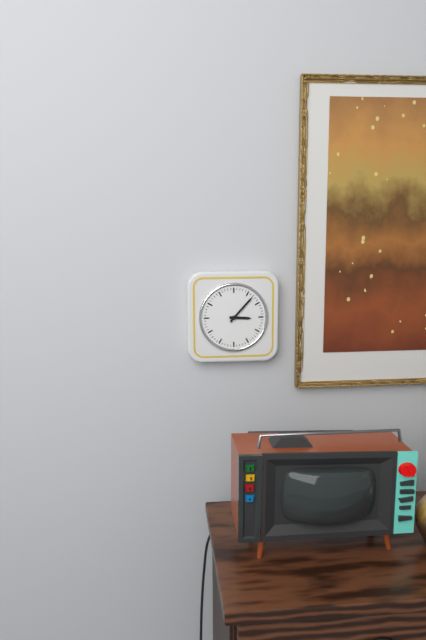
3:07
